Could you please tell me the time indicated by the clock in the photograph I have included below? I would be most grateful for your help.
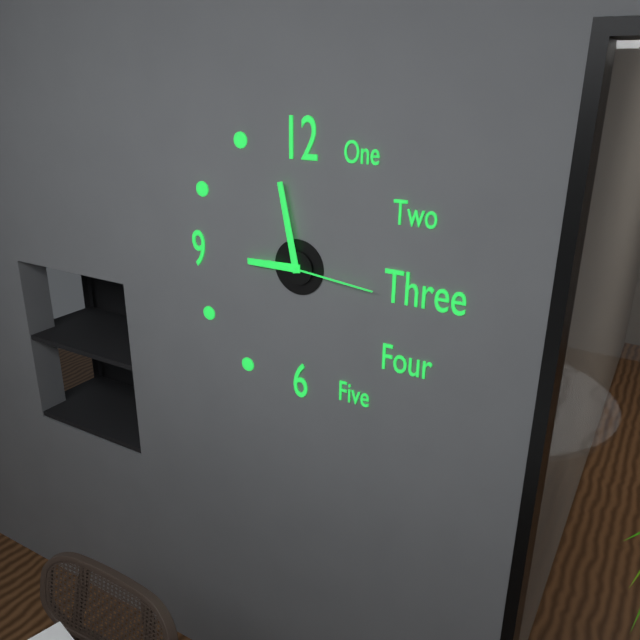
8:58:16
